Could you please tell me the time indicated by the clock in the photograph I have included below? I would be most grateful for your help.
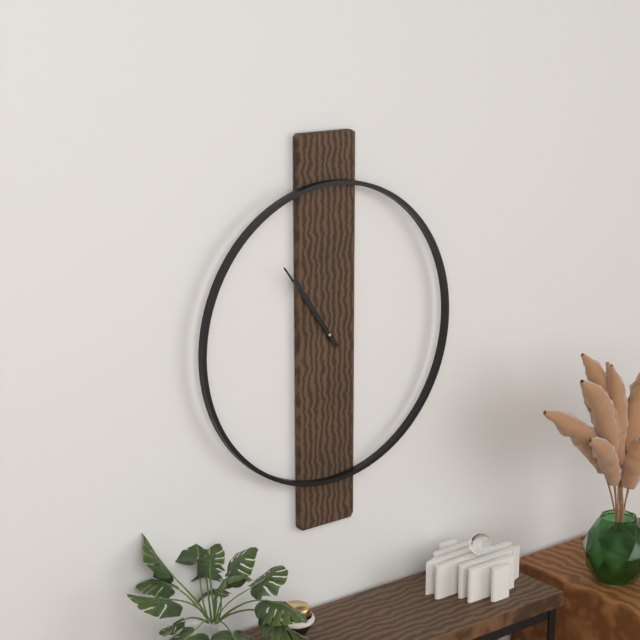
10:54
